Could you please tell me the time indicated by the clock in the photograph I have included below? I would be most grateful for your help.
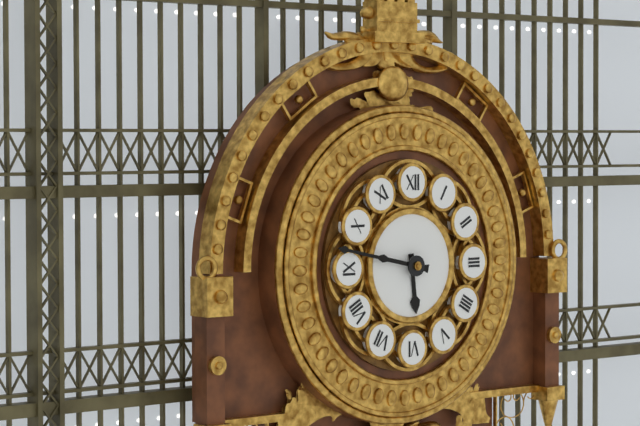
5:47
